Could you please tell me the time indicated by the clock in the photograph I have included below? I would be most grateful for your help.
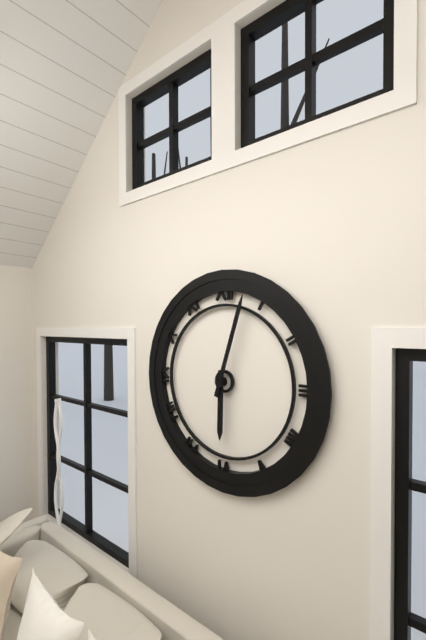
6:03
